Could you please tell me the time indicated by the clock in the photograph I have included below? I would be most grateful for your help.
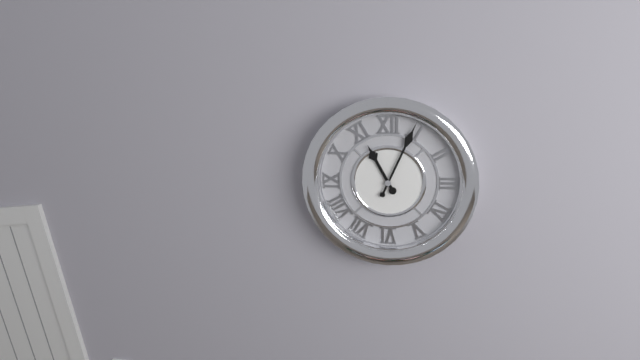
11:04
